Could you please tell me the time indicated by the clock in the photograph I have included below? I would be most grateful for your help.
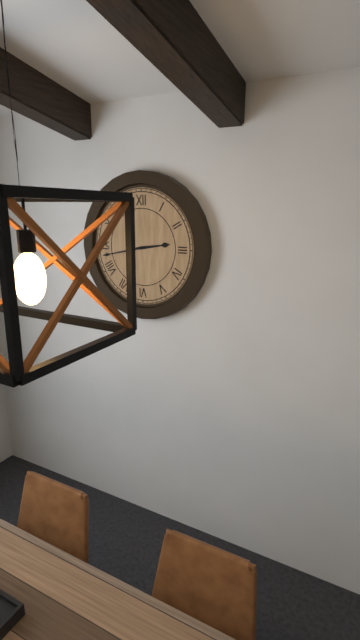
2:43
